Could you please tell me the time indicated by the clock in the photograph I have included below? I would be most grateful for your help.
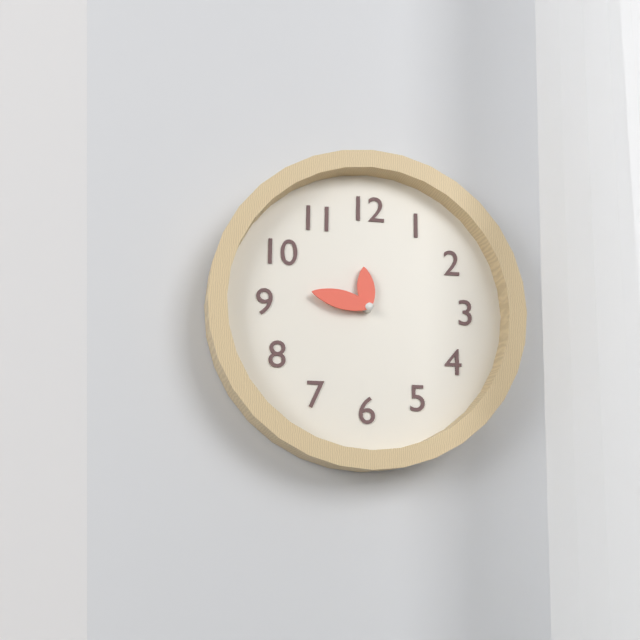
11:47
